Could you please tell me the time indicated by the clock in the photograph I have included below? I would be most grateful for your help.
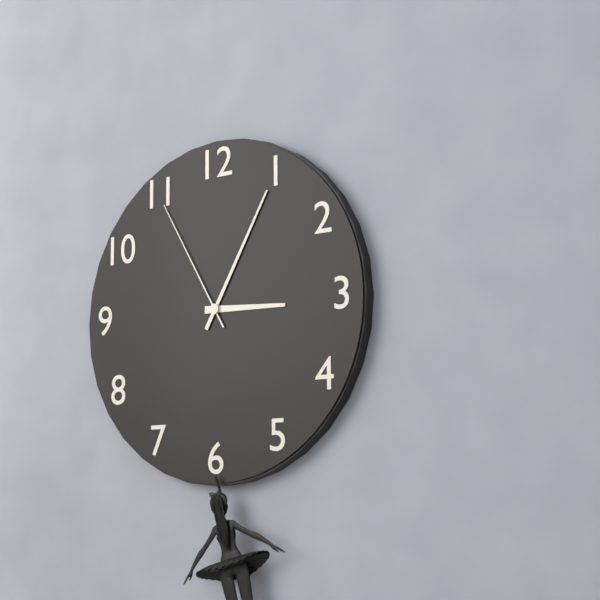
3:05:55
